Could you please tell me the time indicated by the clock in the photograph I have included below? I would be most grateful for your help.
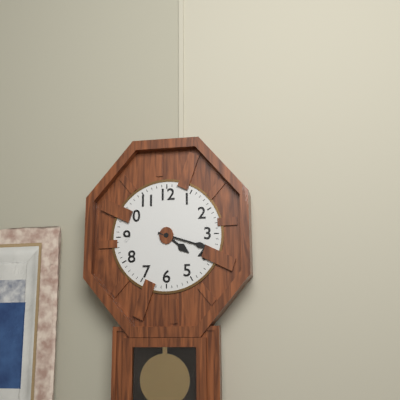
4:18
